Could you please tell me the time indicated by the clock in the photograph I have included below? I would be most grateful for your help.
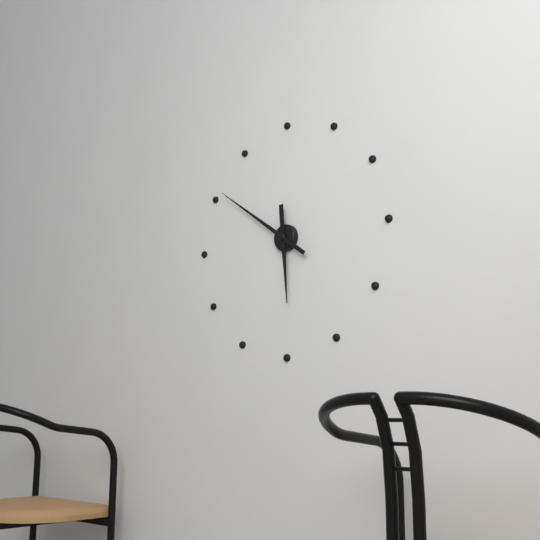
5:51
